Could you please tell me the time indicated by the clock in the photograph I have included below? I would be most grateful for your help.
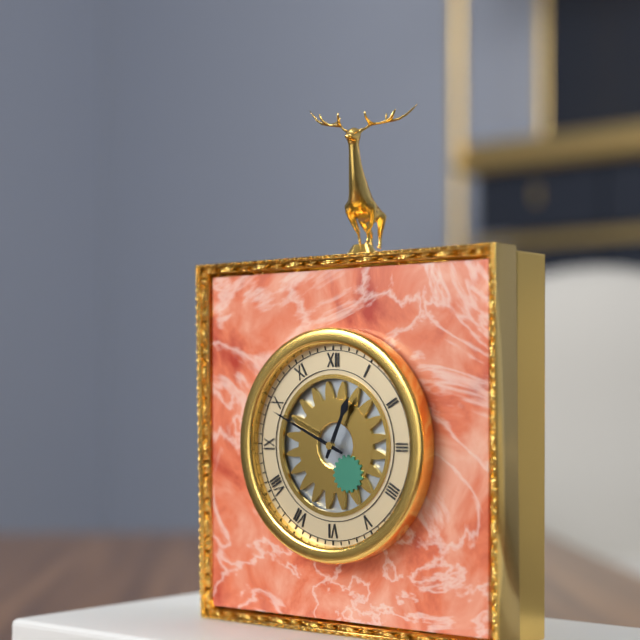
12:49
